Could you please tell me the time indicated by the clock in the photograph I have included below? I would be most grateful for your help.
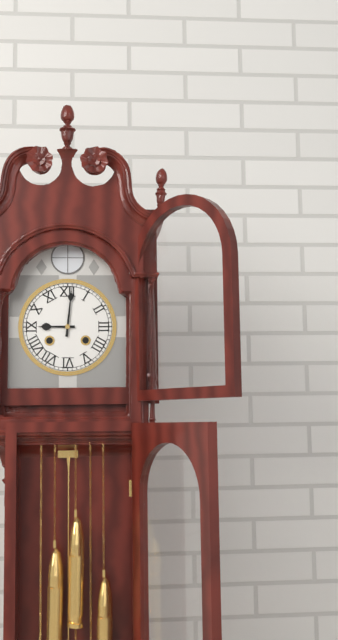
9:01
